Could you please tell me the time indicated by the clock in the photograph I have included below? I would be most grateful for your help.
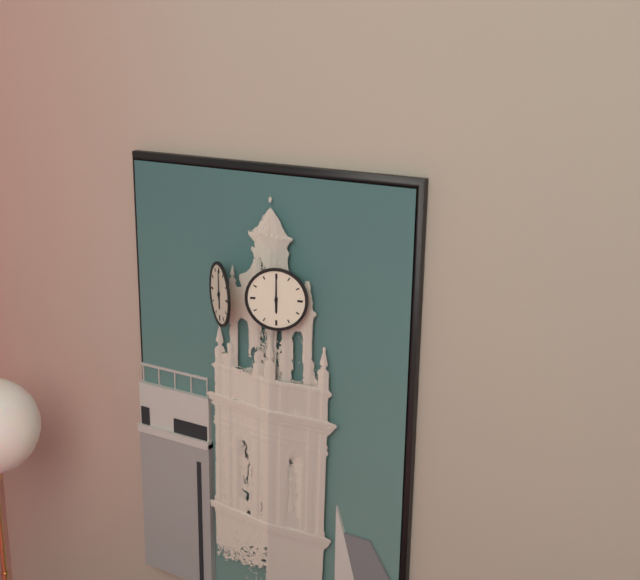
6:00
